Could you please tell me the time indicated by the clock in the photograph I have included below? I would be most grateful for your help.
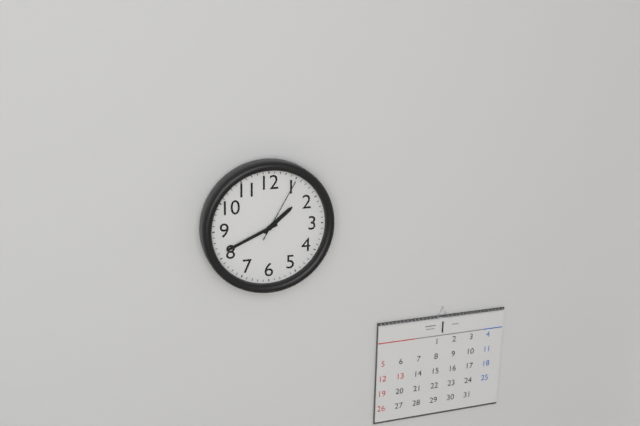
1:41:05
